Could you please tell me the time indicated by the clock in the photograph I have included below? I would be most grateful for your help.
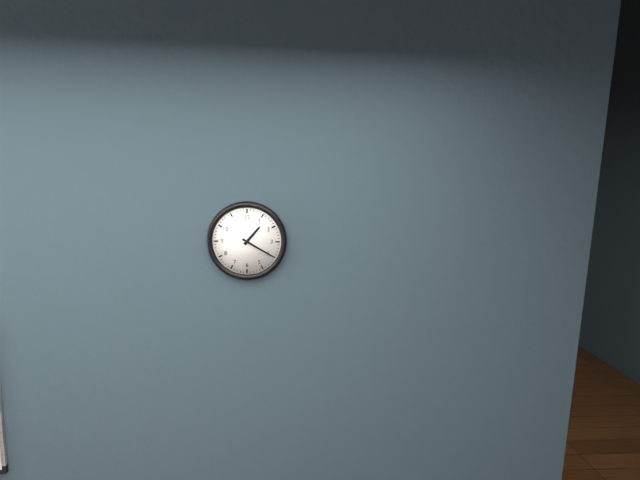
1:20
